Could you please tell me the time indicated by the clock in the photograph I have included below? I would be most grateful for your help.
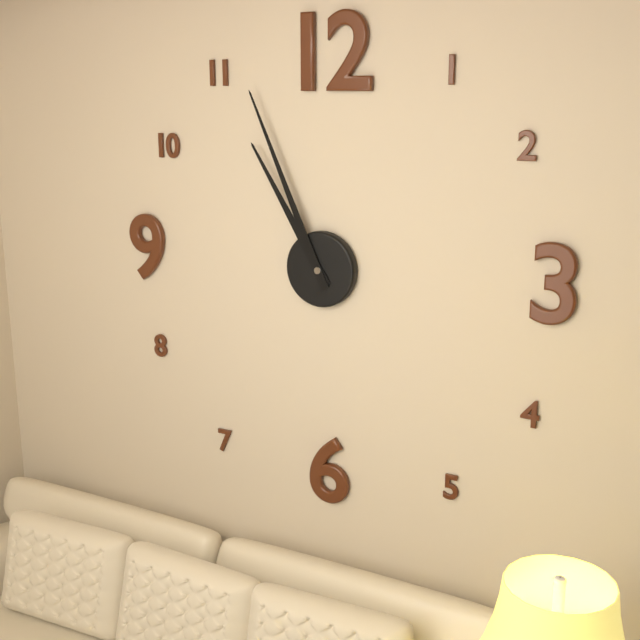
10:56
